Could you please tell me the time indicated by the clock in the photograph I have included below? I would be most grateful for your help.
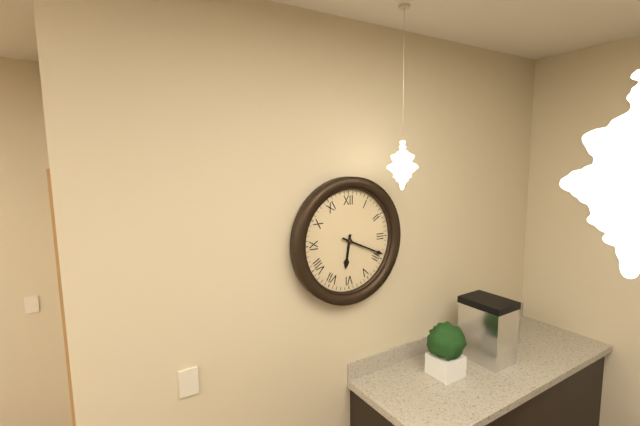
6:19
